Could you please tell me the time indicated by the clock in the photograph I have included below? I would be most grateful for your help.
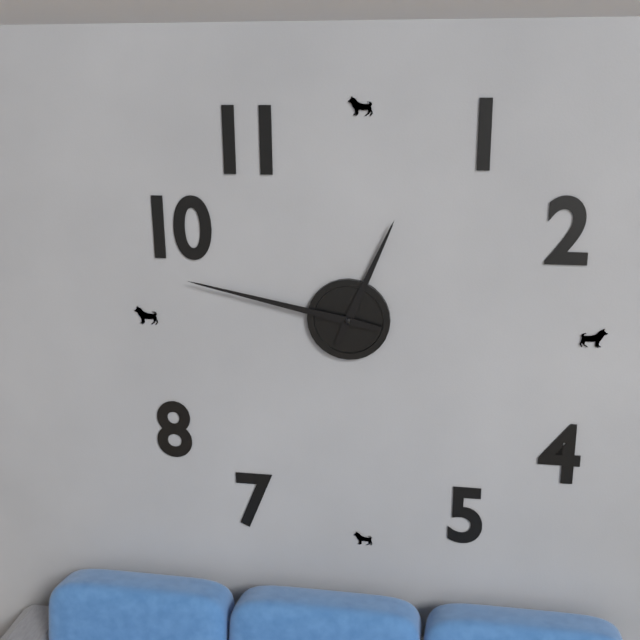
12:47
